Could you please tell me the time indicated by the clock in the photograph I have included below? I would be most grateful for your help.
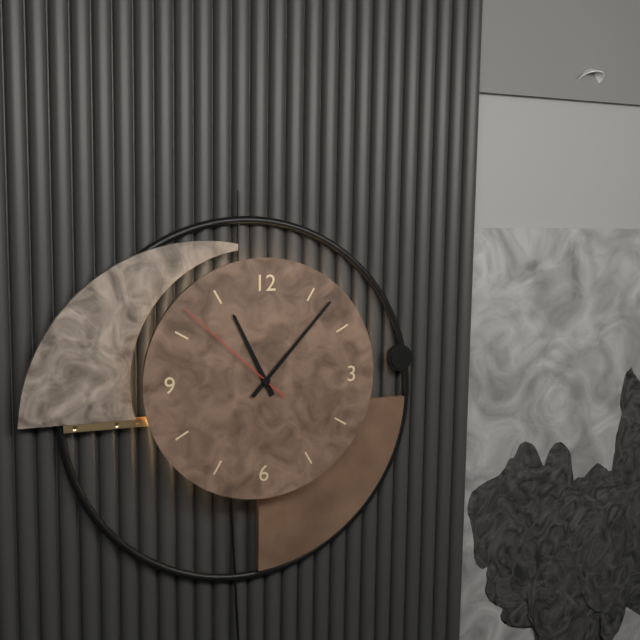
11:07:52
